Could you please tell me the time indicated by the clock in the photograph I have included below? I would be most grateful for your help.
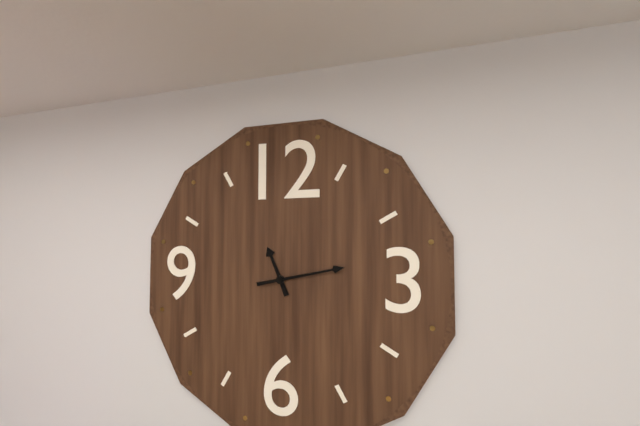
11:13
